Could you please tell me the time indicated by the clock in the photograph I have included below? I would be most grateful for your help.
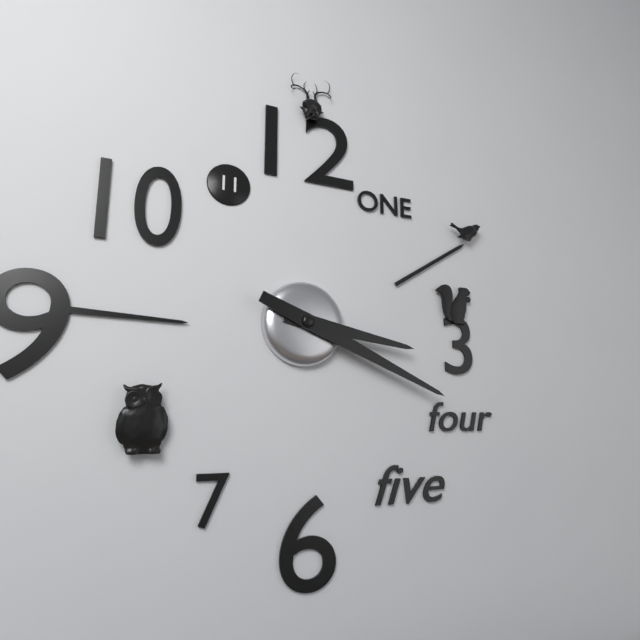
3:19
